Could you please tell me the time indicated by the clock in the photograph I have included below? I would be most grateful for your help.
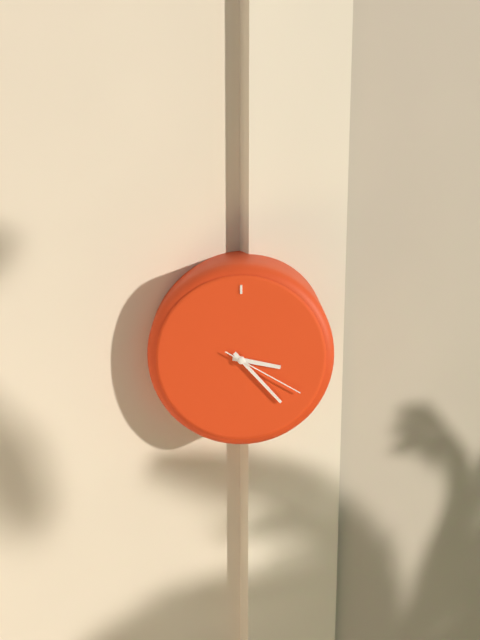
3:23:20
